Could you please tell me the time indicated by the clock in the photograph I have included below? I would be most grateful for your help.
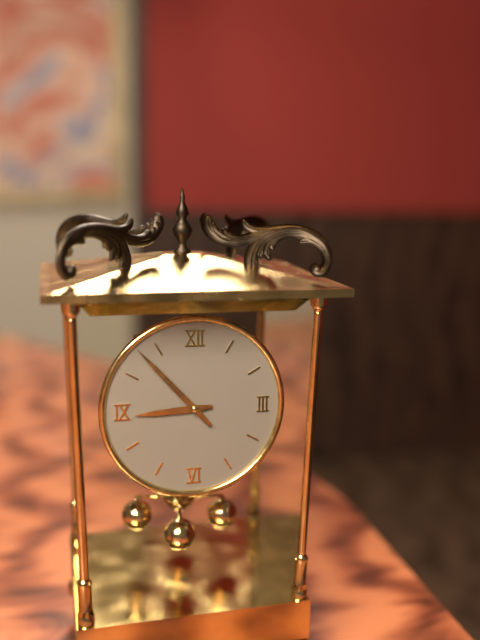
8:53
